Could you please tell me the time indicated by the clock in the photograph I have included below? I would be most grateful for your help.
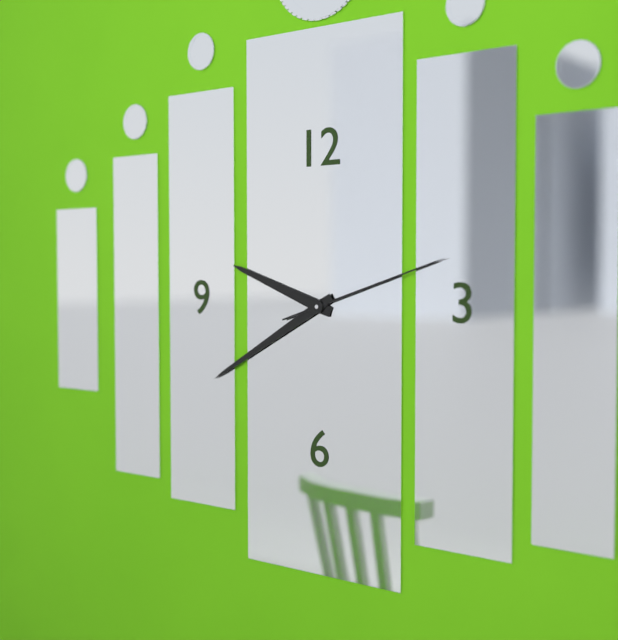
9:40:12
